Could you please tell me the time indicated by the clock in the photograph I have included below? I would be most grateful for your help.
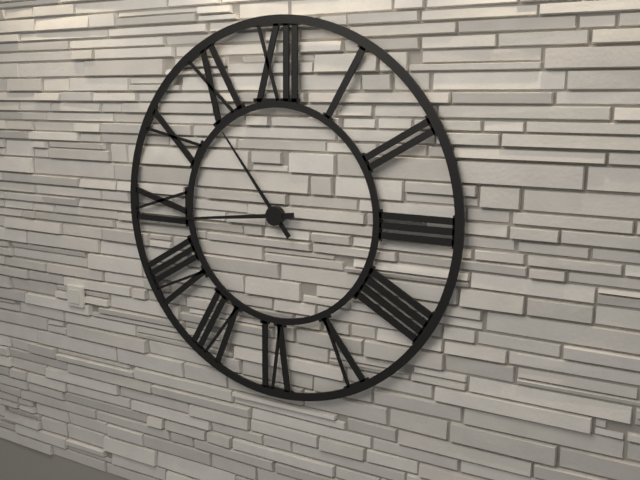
10:44
